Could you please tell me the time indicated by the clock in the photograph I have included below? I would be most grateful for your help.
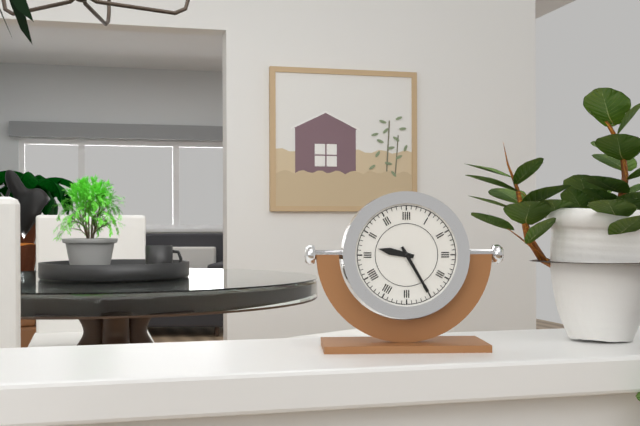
9:25
